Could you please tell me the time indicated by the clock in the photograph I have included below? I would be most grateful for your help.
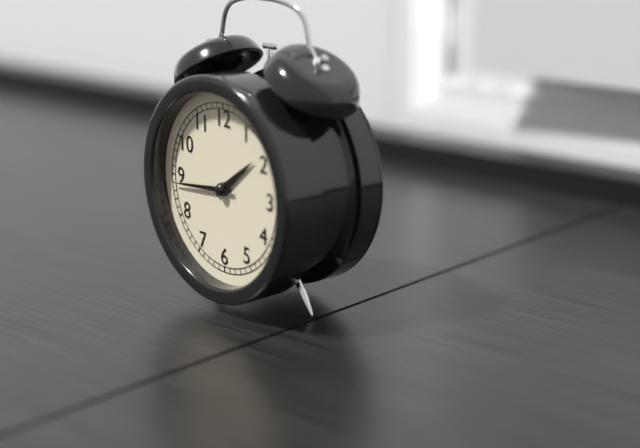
1:44
